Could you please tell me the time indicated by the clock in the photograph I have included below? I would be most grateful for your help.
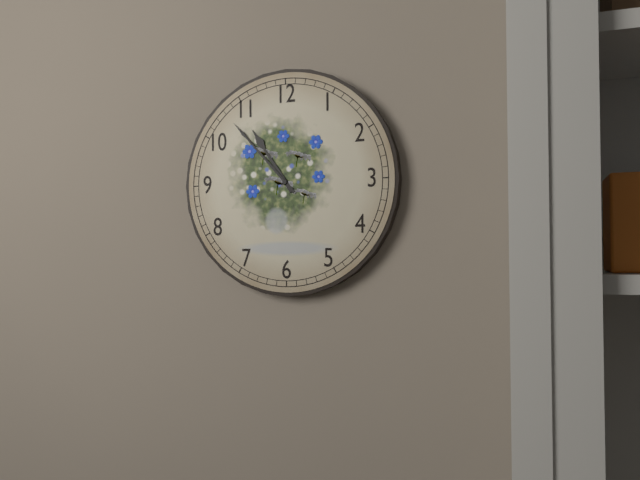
10:53
